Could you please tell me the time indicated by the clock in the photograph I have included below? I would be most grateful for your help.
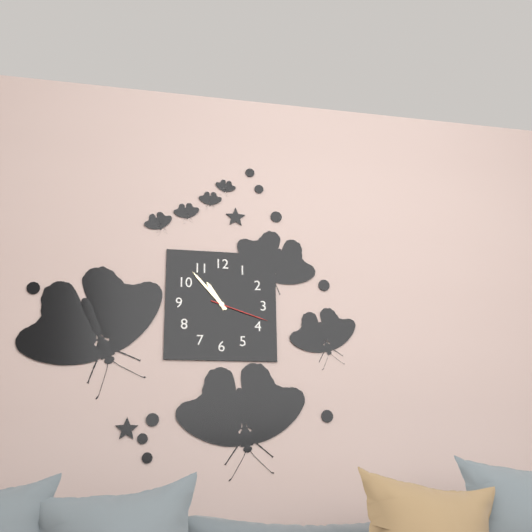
10:53:18
